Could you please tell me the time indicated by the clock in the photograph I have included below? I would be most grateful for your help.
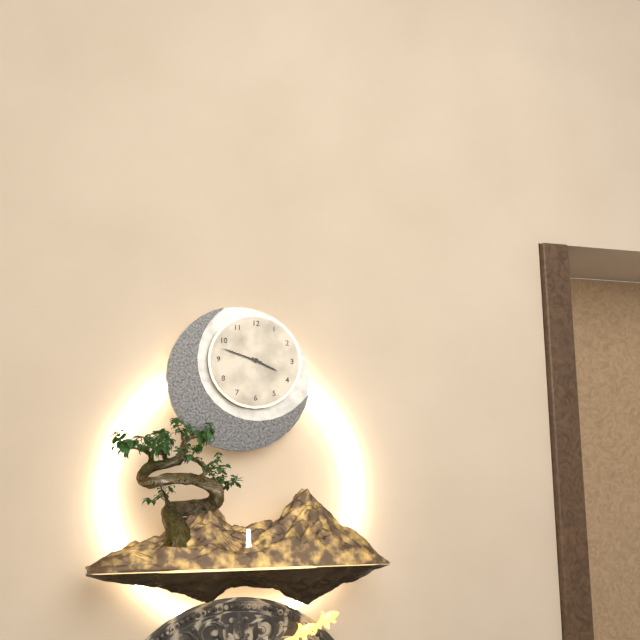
3:48
